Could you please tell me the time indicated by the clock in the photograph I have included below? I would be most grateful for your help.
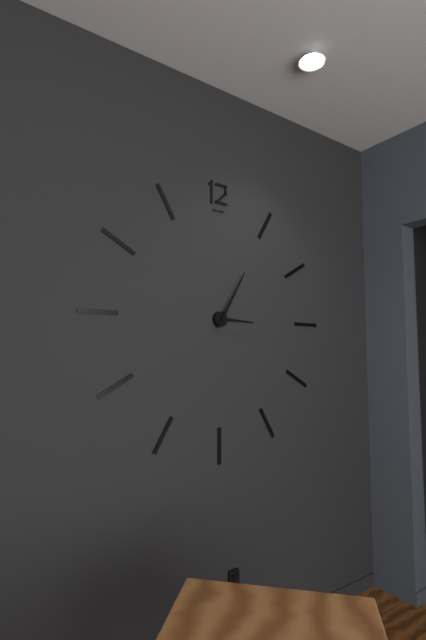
3:05
